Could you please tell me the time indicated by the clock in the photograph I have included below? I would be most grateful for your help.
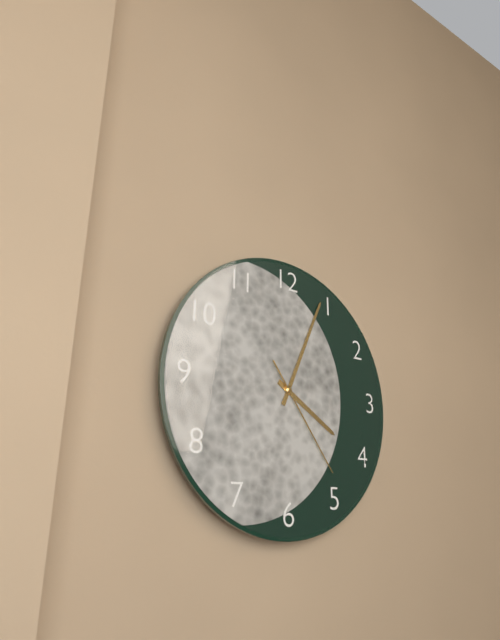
4:04:24
